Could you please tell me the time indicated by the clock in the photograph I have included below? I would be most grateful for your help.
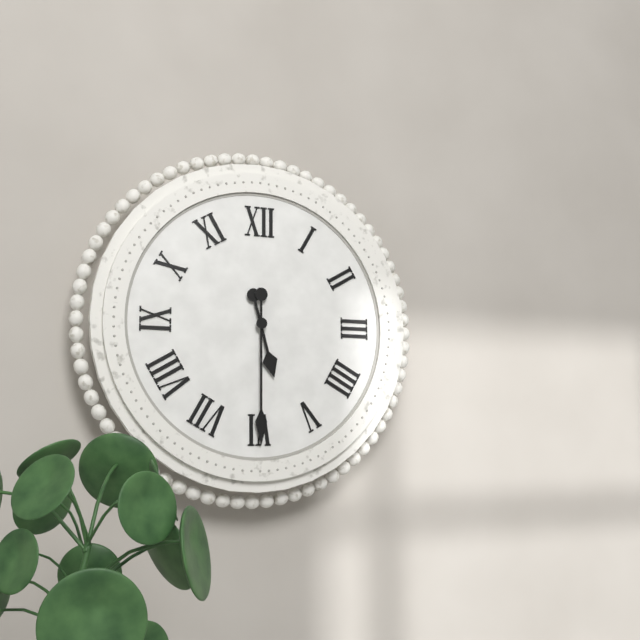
5:30
